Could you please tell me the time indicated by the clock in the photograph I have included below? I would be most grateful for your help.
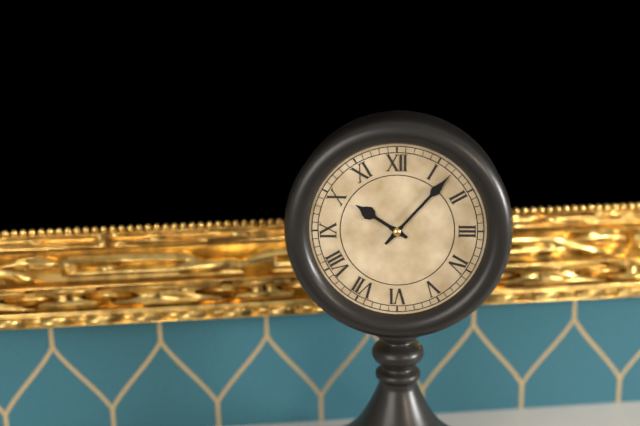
10:07
